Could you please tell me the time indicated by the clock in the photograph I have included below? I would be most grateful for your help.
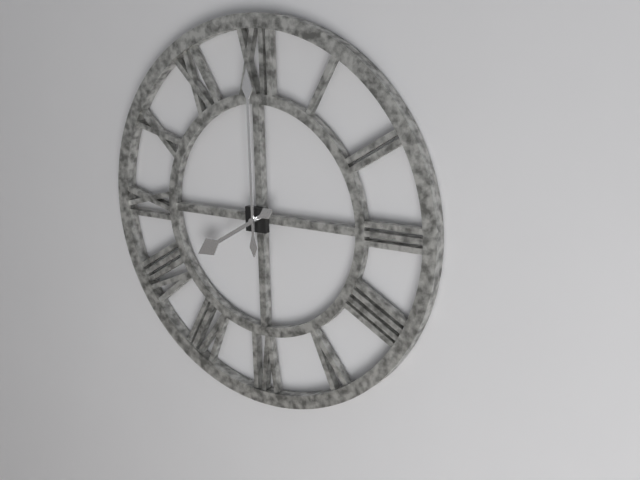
8:00
